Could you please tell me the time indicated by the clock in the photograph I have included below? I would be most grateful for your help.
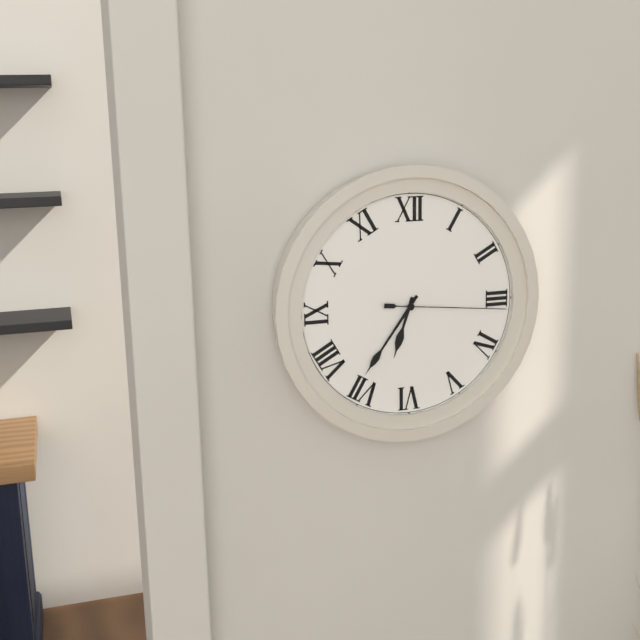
6:36:16
